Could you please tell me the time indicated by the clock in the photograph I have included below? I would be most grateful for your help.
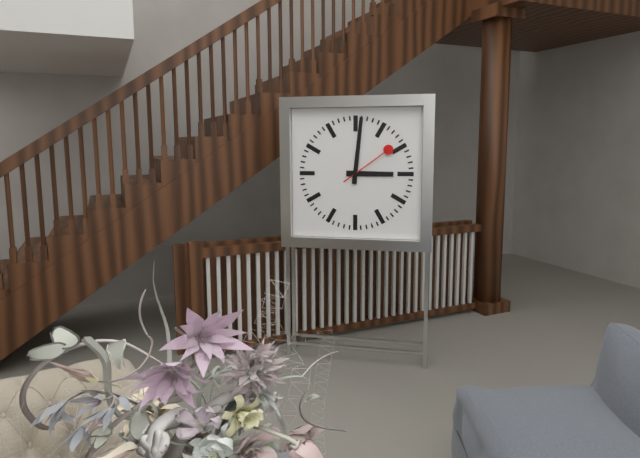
3:01:09
